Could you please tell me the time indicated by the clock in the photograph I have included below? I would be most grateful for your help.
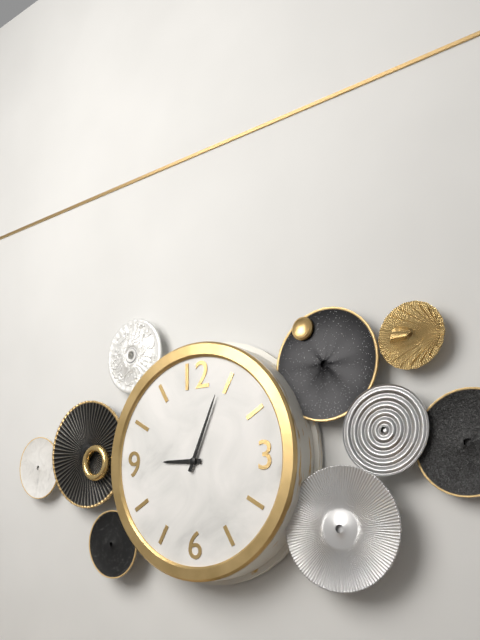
9:04
